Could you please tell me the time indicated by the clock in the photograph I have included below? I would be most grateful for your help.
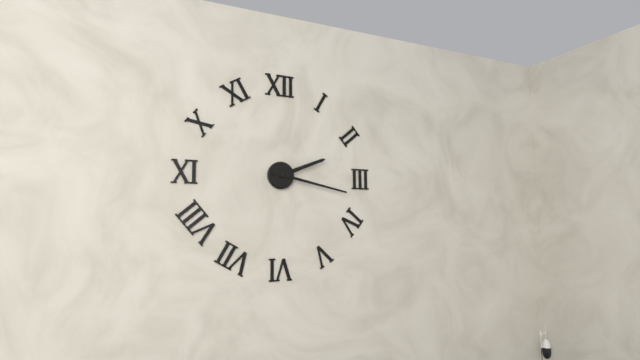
2:17
